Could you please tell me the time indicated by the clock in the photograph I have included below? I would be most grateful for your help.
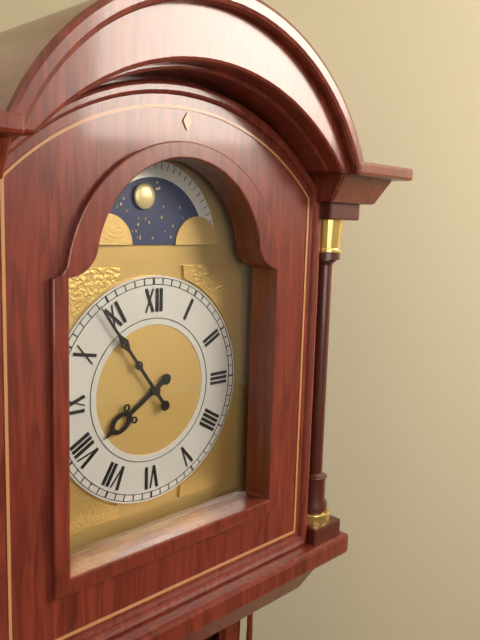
7:54
